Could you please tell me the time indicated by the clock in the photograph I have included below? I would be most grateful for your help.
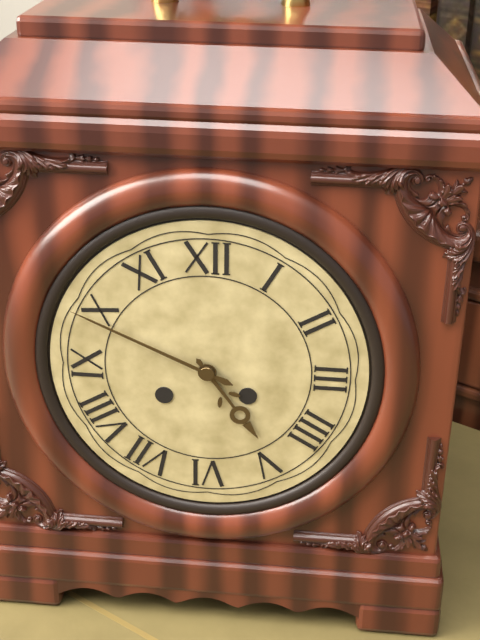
4:49
